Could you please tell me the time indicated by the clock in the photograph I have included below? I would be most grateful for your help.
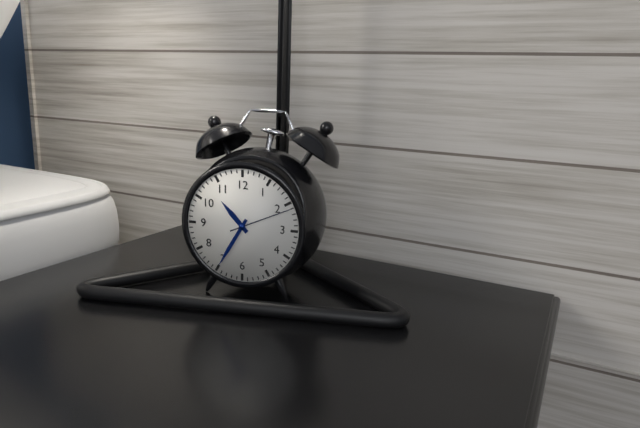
10:35:11
